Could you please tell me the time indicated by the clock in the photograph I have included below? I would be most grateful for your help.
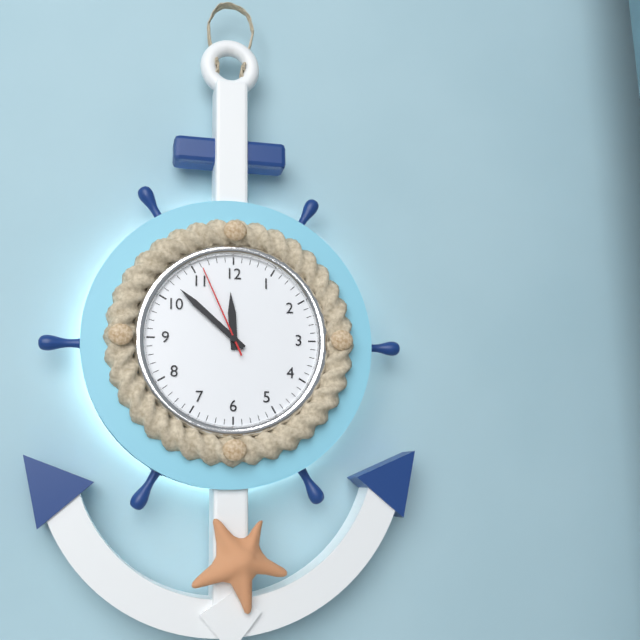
11:52:56
